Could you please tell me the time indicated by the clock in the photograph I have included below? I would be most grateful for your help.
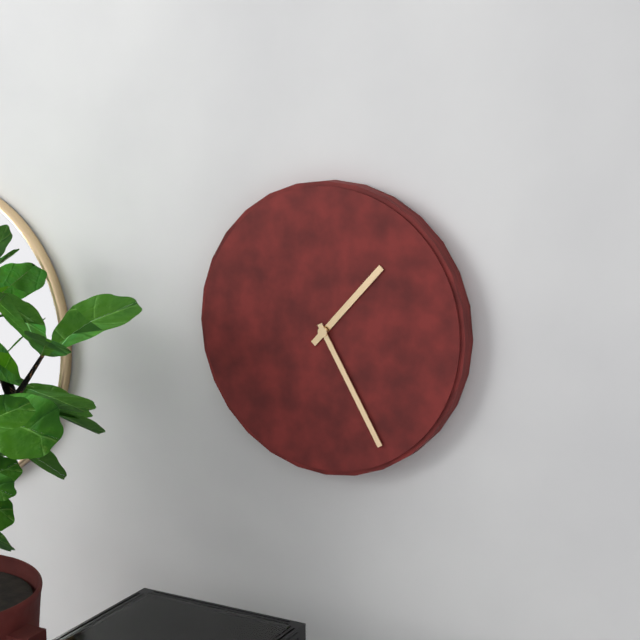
1:25
